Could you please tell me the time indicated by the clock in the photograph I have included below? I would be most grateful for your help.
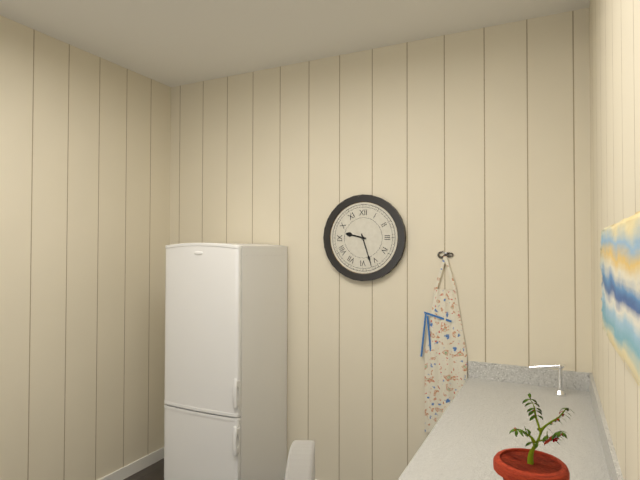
9:27
